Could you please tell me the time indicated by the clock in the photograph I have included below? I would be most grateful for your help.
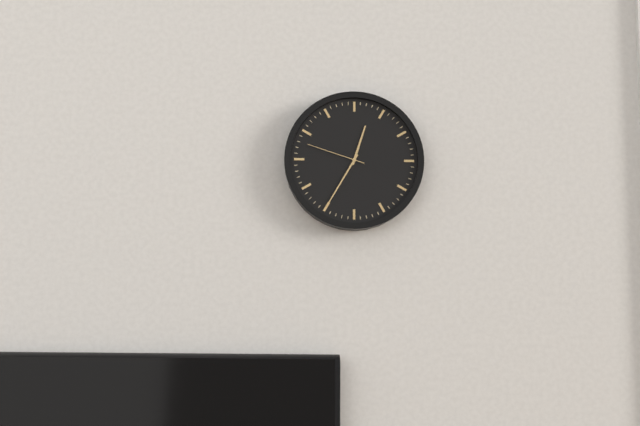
12:35:48
